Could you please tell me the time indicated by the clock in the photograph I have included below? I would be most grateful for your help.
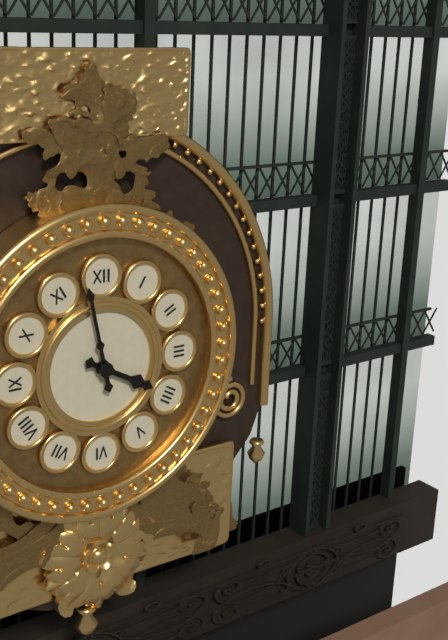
3:58
